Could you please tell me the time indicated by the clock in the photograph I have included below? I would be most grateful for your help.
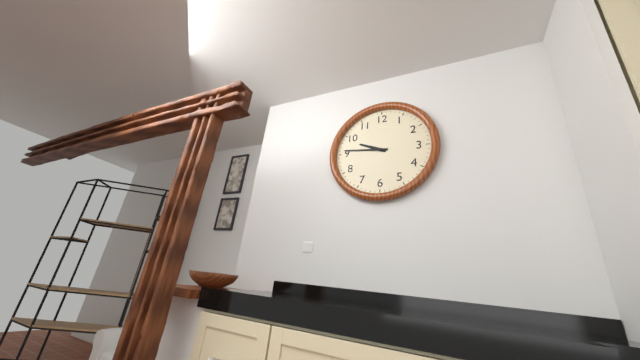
9:46
